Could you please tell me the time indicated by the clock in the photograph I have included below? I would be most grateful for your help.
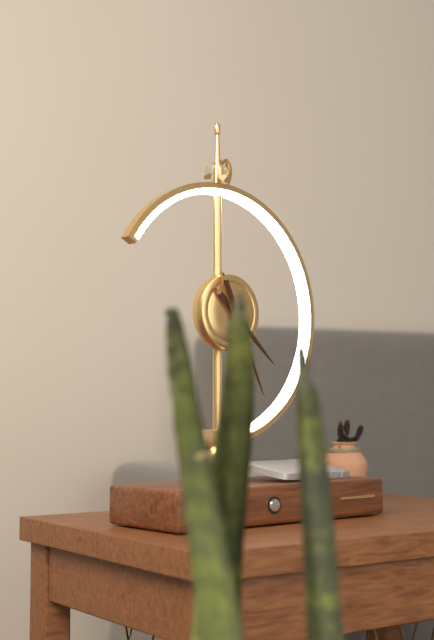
4:26
